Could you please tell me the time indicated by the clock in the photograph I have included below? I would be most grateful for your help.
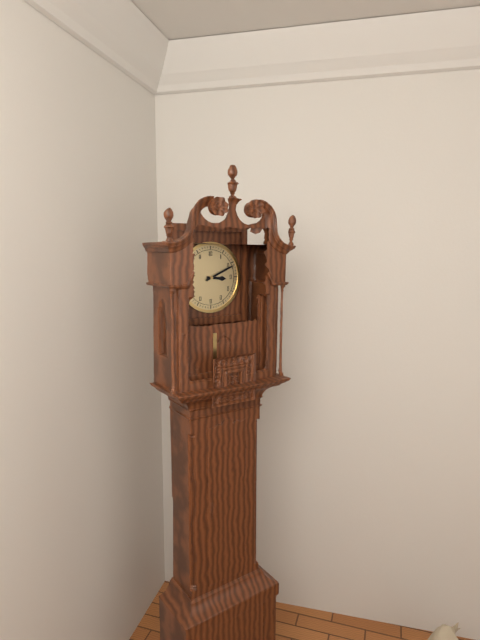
3:11
